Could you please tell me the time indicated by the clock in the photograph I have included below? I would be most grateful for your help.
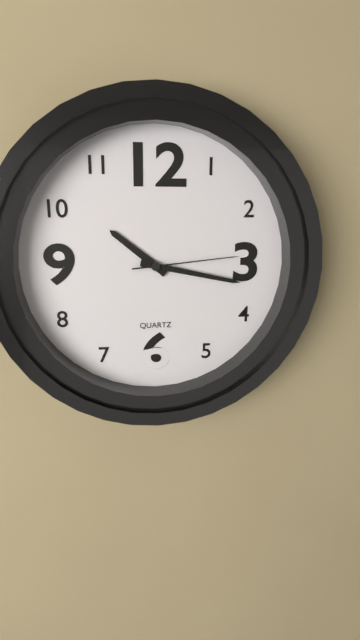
10:17:14
